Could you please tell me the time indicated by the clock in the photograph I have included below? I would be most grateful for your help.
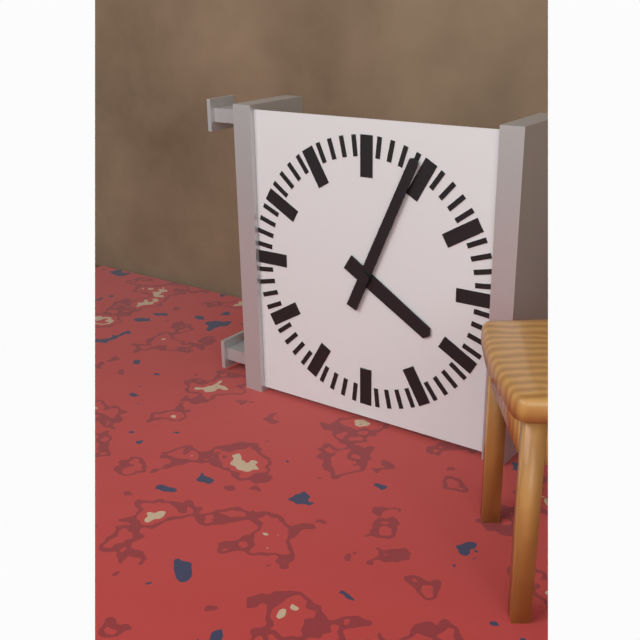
4:04
